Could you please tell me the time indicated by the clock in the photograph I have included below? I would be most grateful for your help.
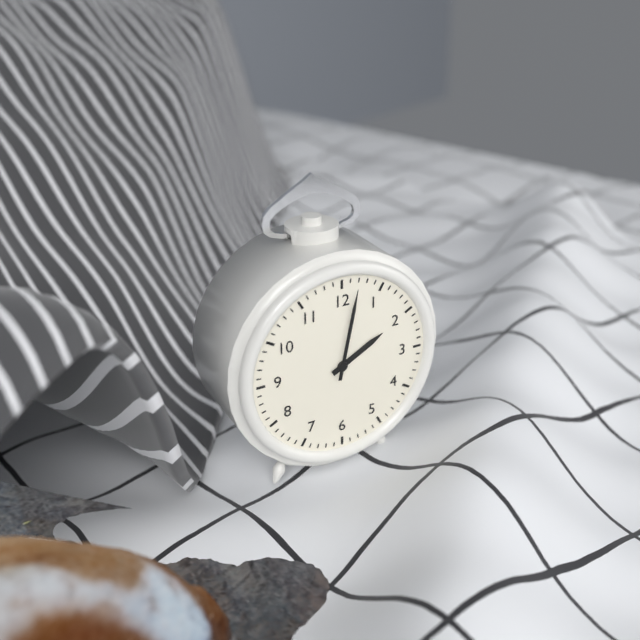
2:02
